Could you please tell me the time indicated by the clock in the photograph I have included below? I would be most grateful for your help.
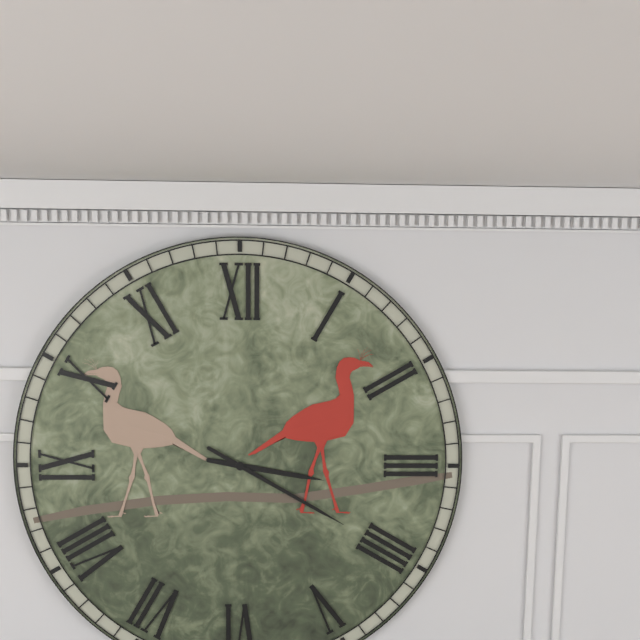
3:20
